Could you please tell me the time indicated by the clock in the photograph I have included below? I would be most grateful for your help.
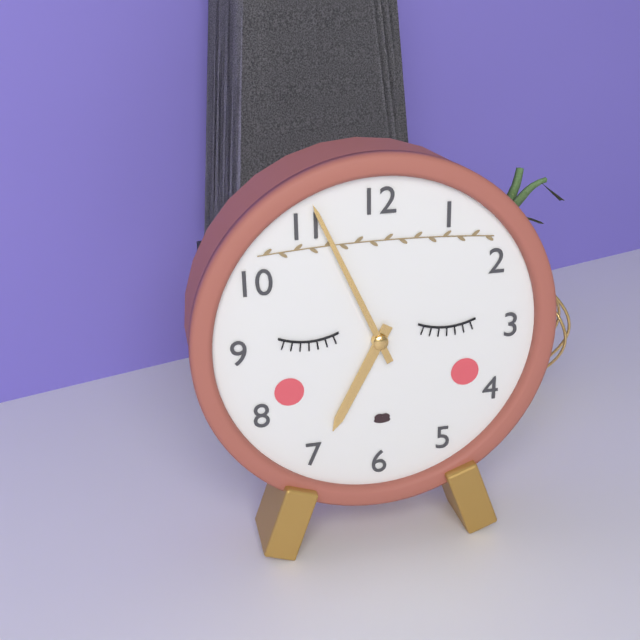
6:56
